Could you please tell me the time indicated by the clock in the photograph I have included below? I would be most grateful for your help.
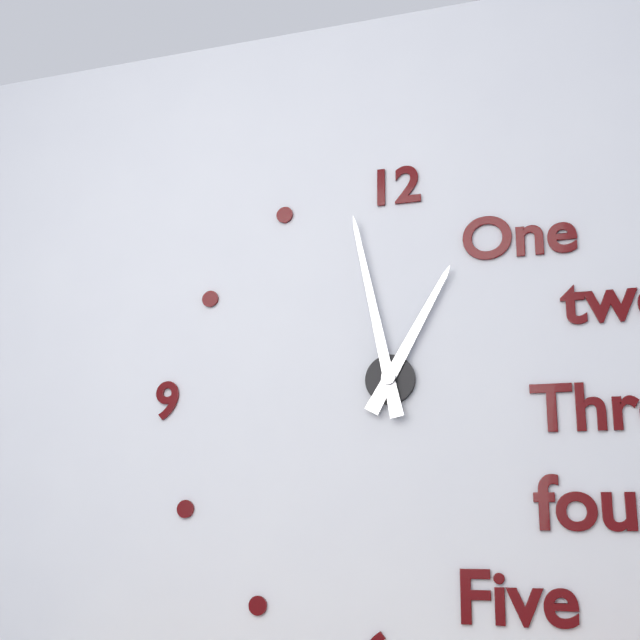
12:58
